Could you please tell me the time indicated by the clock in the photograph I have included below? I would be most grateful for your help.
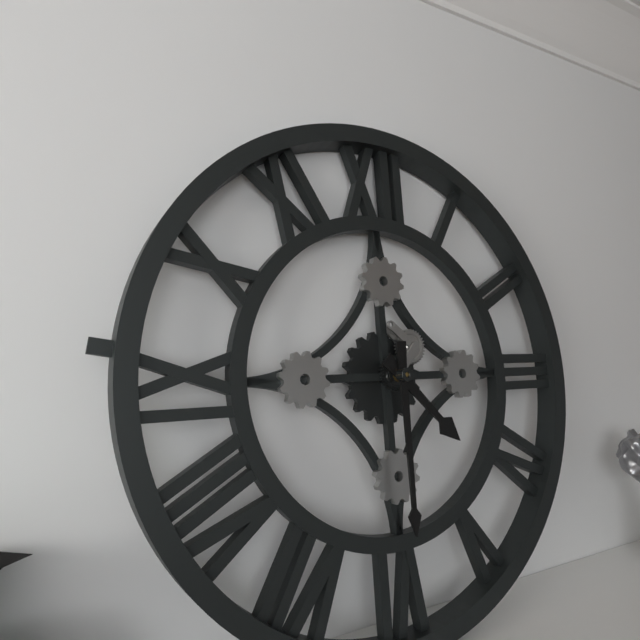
4:30
